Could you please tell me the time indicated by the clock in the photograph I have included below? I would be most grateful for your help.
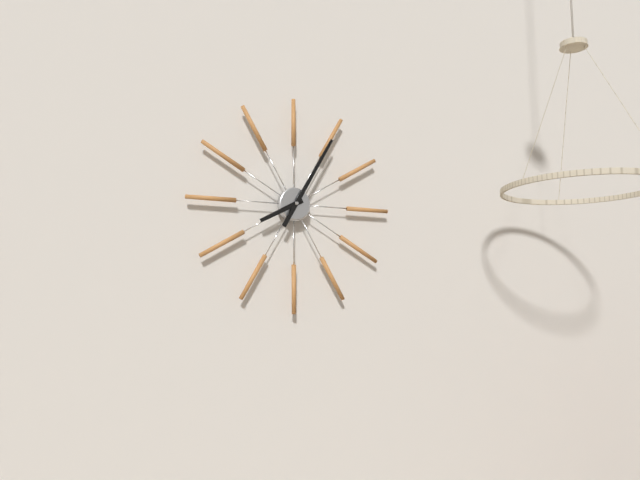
8:05
